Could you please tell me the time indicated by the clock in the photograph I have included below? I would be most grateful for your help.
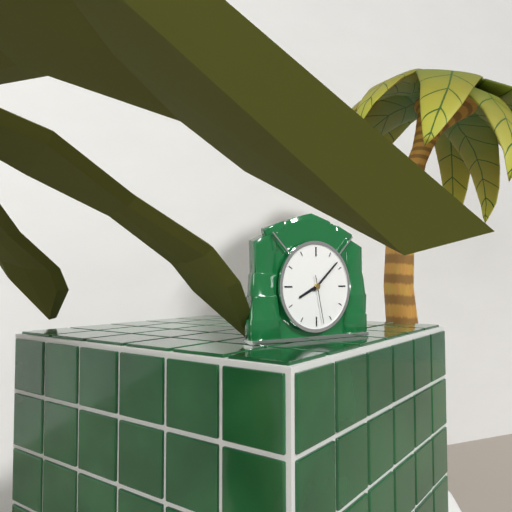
8:08
